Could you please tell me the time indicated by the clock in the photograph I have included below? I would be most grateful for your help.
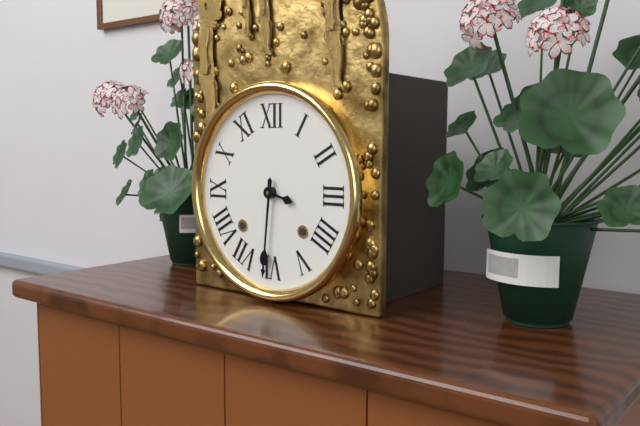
3:31
